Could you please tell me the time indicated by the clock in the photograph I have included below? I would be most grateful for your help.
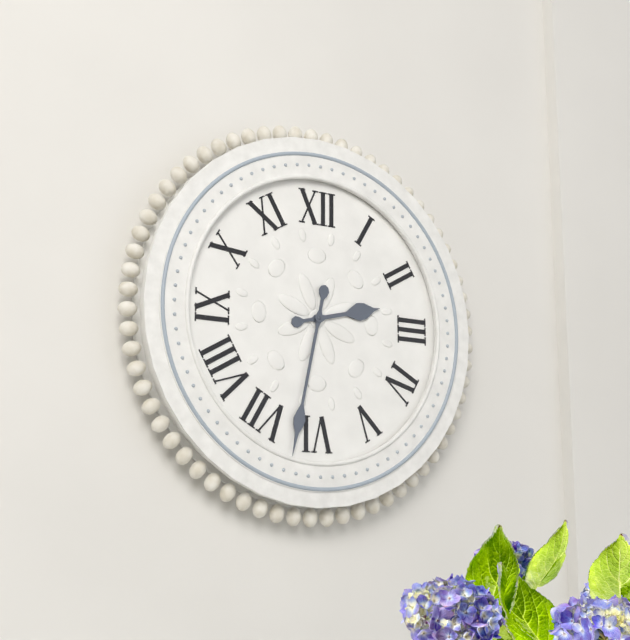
2:32
